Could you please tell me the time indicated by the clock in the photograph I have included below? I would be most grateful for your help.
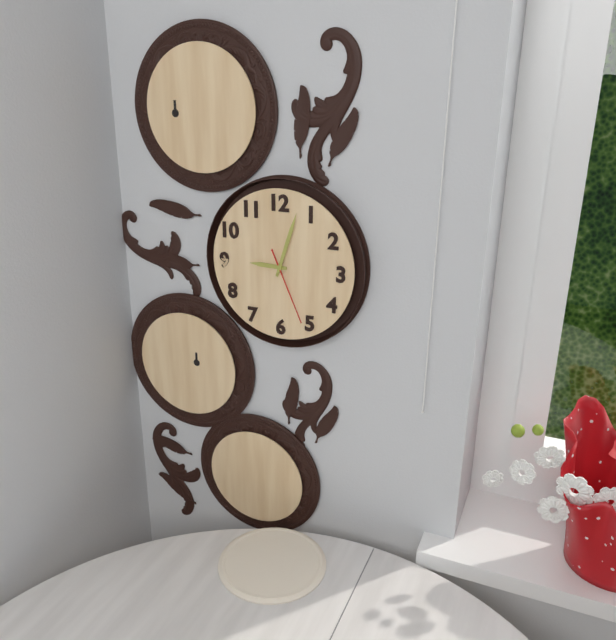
9:03:26
